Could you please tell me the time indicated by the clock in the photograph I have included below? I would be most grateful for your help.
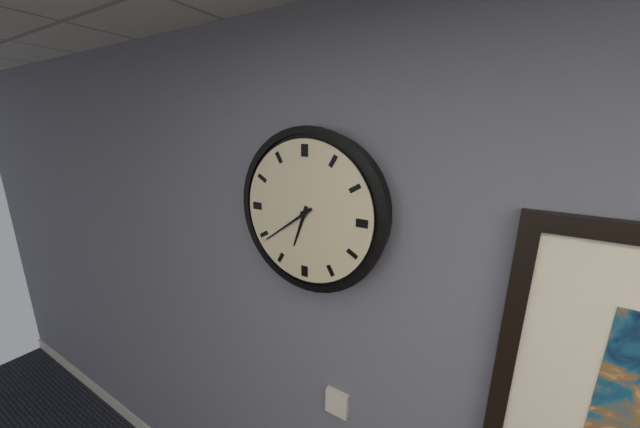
6:39
